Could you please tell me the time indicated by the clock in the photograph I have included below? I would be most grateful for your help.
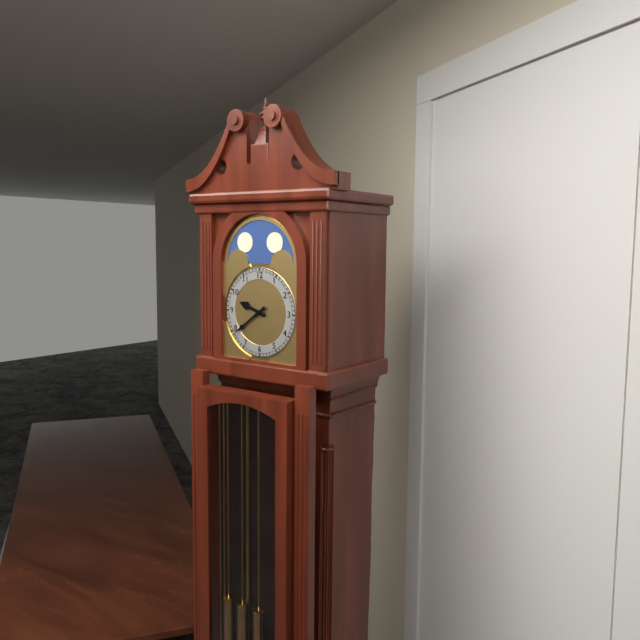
9:39
